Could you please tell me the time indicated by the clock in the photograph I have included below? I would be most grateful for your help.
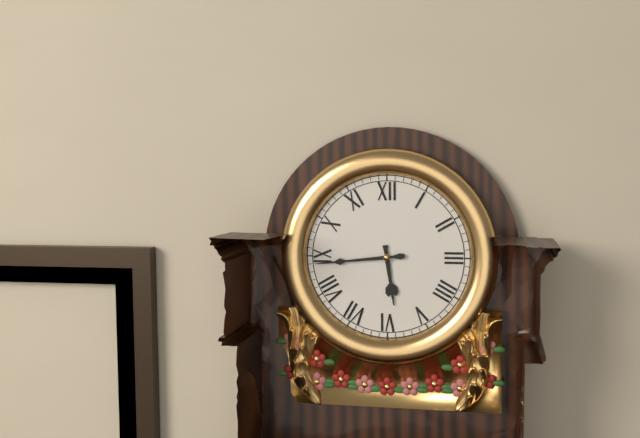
5:44
